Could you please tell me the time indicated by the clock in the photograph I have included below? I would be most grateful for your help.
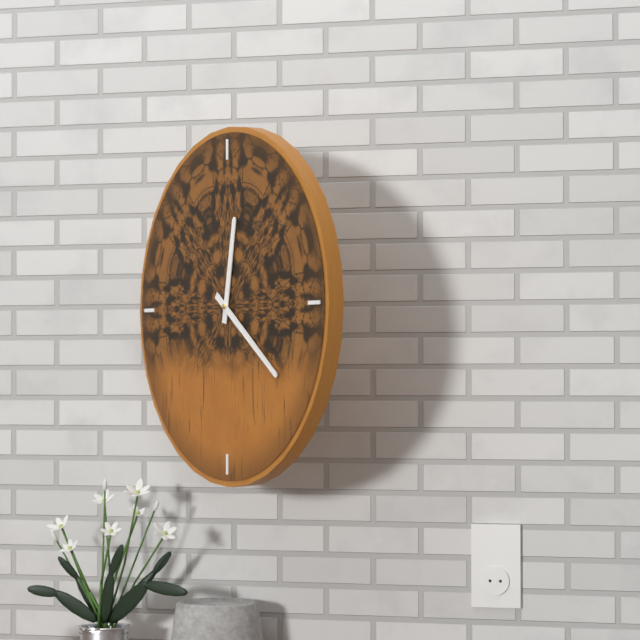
12:21
